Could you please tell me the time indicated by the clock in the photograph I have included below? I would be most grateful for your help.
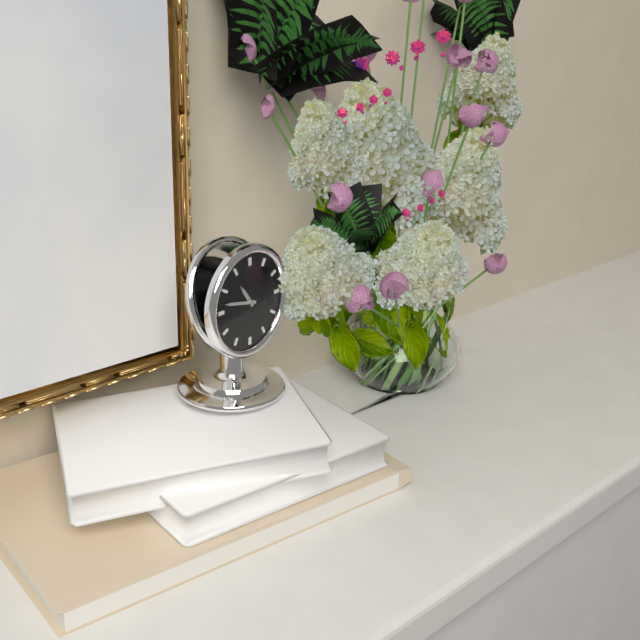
10:47
